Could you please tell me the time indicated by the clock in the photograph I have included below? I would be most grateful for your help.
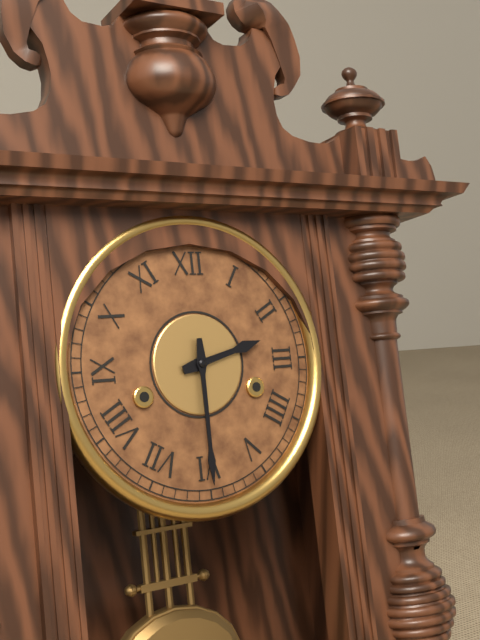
2:30
